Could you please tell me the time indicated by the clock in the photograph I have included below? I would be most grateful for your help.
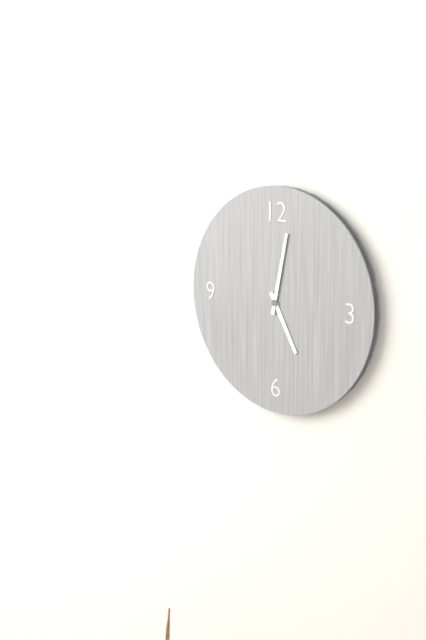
5:02
